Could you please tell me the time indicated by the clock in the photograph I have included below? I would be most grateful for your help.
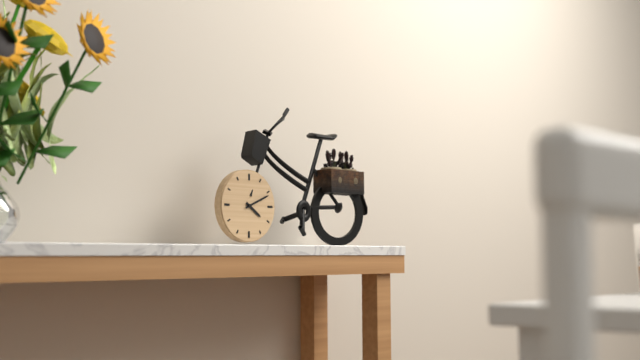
4:11
